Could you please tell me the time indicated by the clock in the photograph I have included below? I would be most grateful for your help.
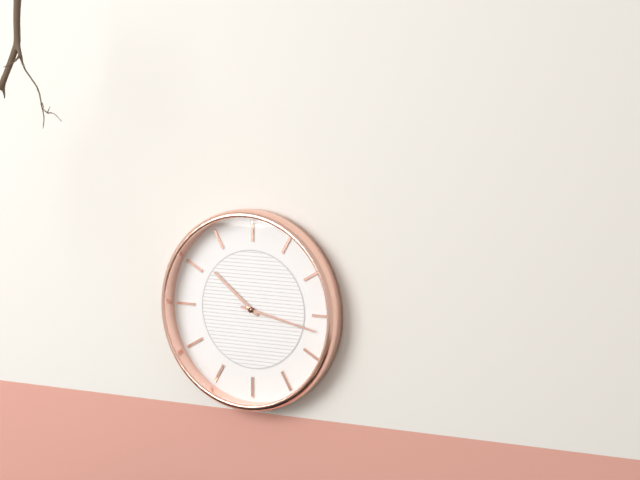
10:17
